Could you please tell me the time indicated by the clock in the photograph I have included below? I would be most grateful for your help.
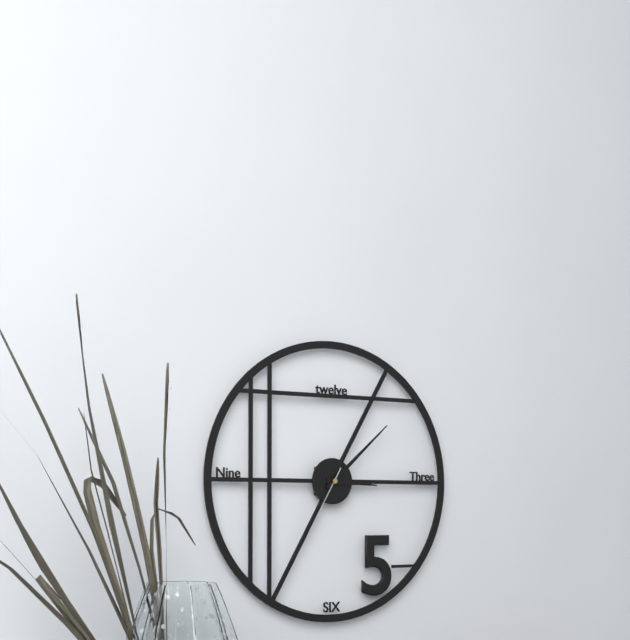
3:08:35
